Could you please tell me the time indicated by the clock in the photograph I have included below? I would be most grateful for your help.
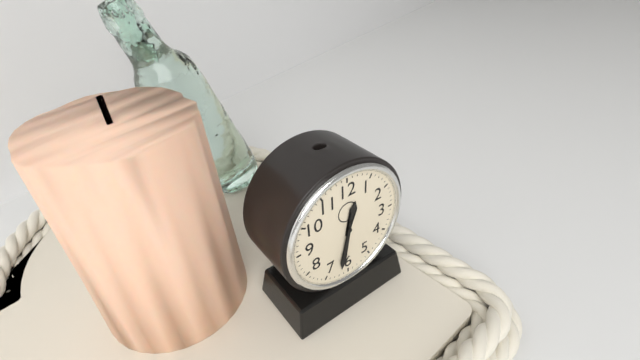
12:32
